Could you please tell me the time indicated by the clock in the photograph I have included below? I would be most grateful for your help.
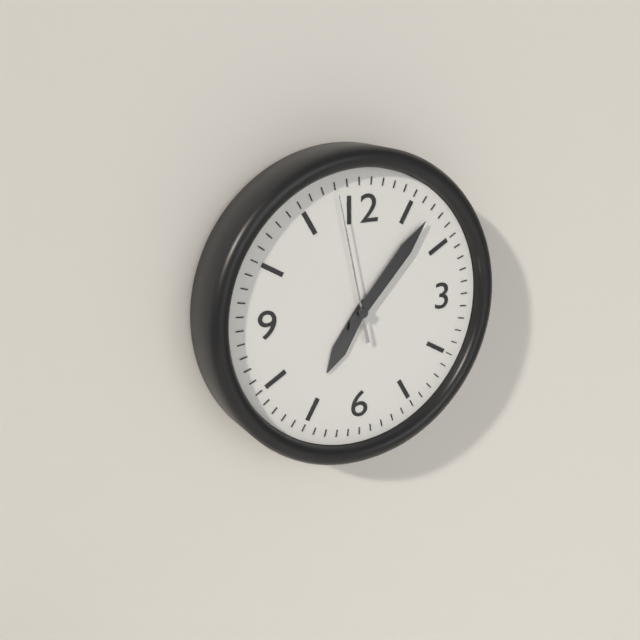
7:07:58
